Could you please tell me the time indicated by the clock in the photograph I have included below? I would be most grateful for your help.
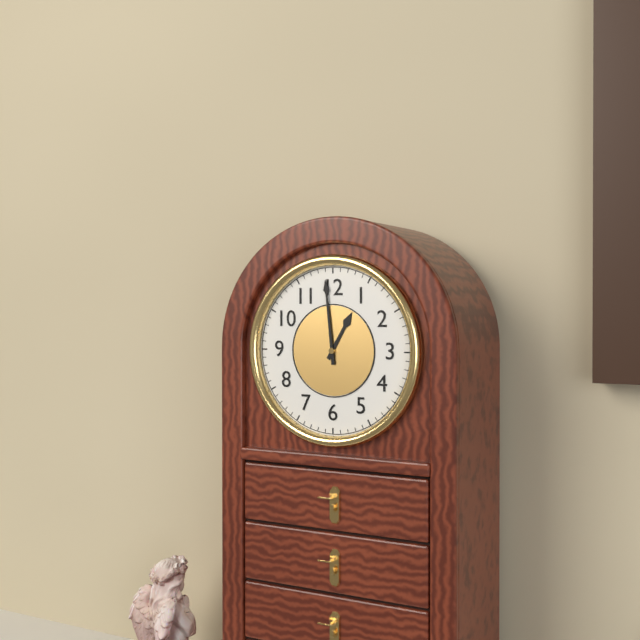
12:59
